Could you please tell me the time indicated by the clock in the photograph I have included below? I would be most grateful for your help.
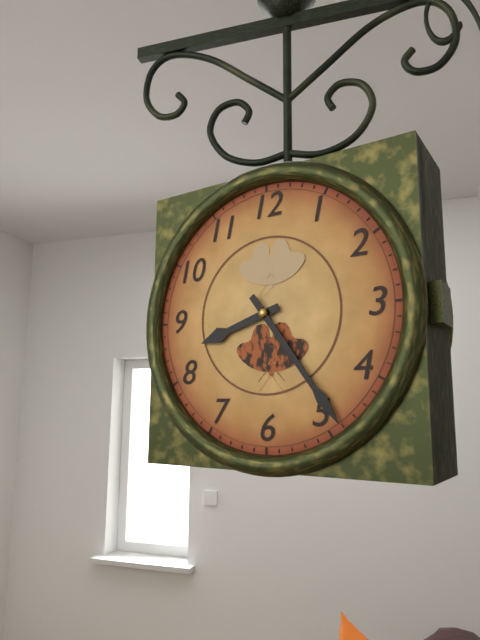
8:24
